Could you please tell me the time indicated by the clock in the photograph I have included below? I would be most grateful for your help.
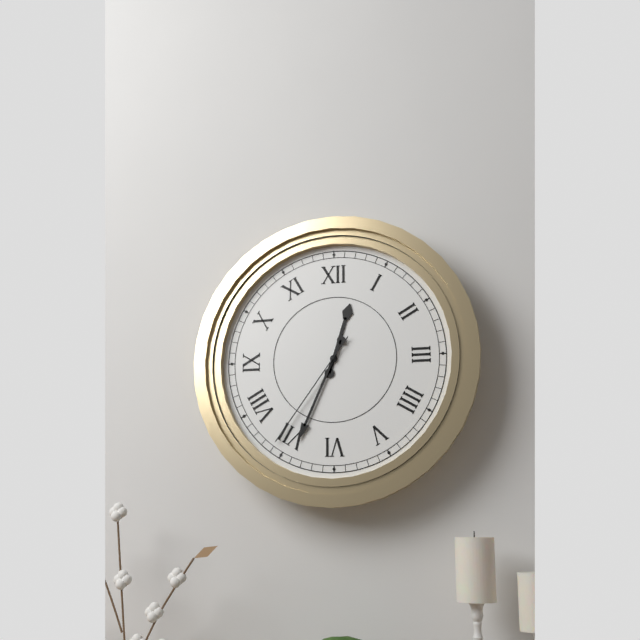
12:34:36
